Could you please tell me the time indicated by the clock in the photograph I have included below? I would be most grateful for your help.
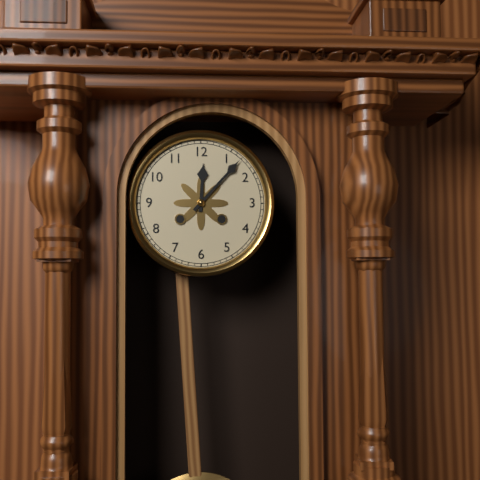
12:07
